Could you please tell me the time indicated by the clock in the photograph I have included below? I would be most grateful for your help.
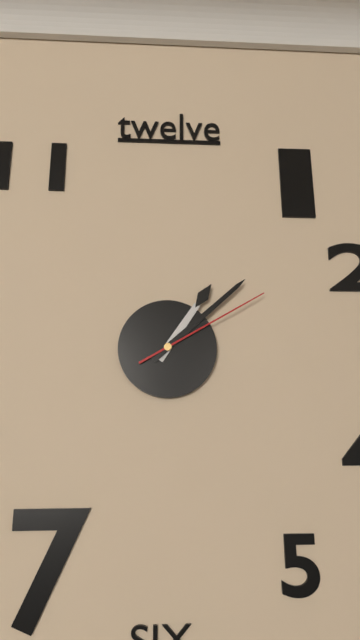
1:08:10
